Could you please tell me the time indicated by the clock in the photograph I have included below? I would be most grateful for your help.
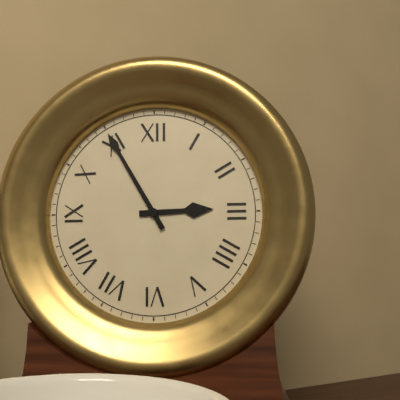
2:55
